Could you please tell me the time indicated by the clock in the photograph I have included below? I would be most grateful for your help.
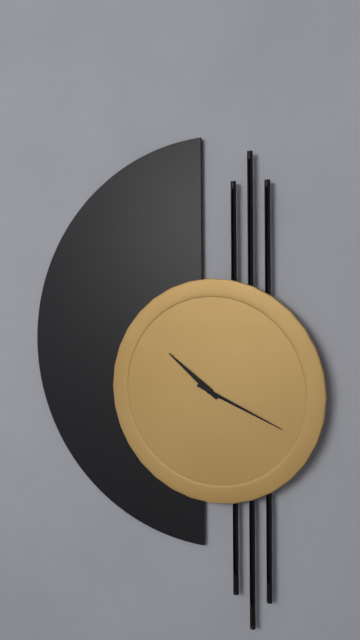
10:19
